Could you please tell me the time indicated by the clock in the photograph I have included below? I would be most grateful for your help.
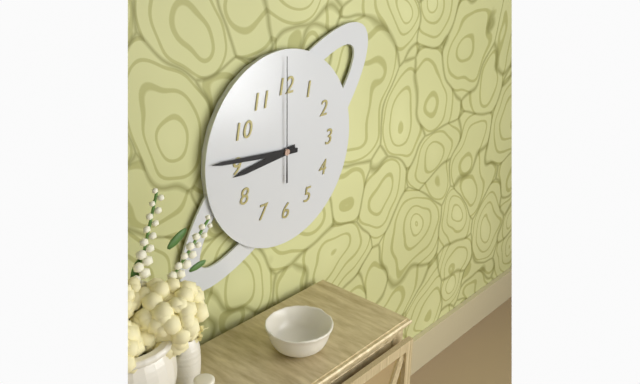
8:46:00
